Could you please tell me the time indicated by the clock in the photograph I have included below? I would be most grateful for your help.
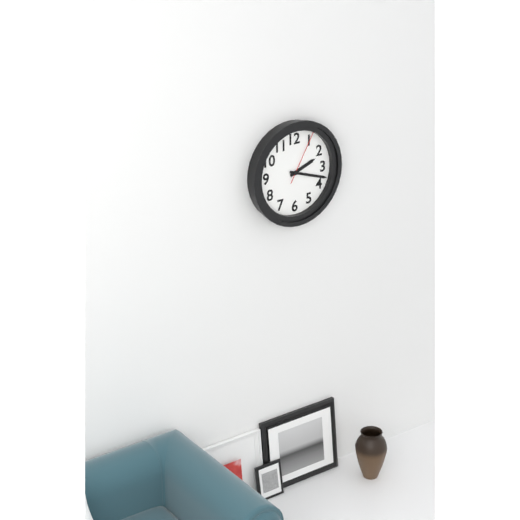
2:18:05
